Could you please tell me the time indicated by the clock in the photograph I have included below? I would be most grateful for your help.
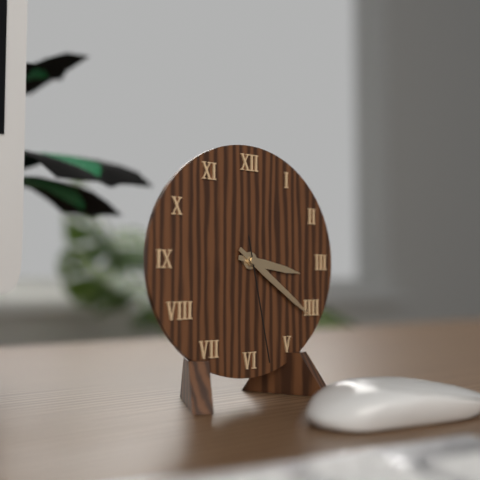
3:21:28
